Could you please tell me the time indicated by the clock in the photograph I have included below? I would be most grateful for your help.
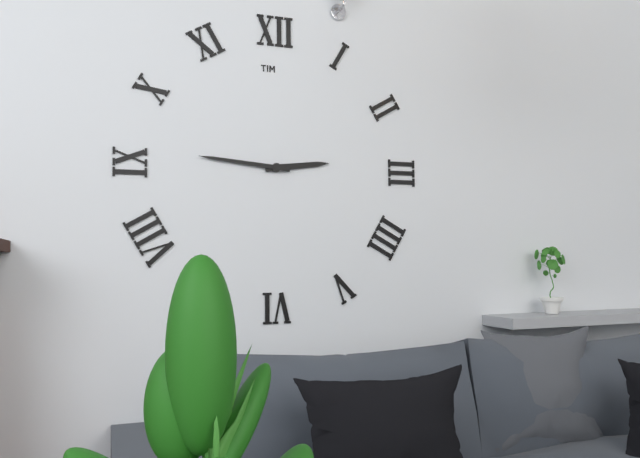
2:46
